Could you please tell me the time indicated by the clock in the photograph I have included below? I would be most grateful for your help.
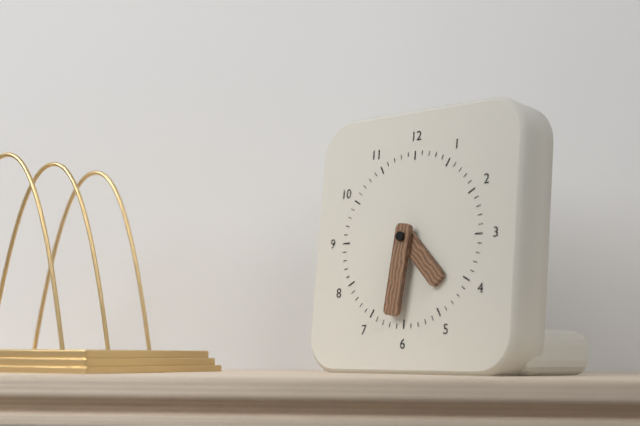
4:31
